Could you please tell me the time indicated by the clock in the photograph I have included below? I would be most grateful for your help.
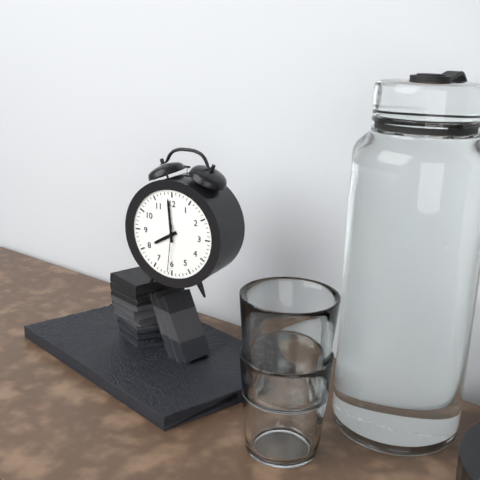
7:59
